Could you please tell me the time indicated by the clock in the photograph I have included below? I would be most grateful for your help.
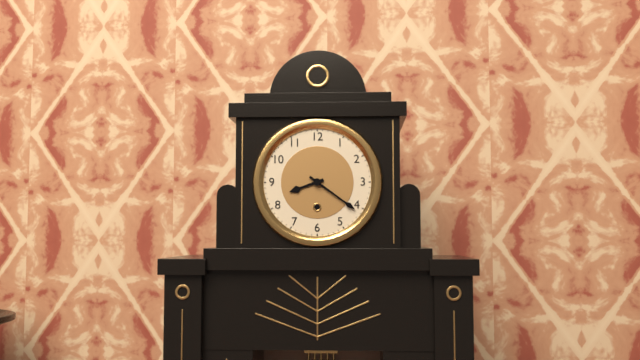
8:21
